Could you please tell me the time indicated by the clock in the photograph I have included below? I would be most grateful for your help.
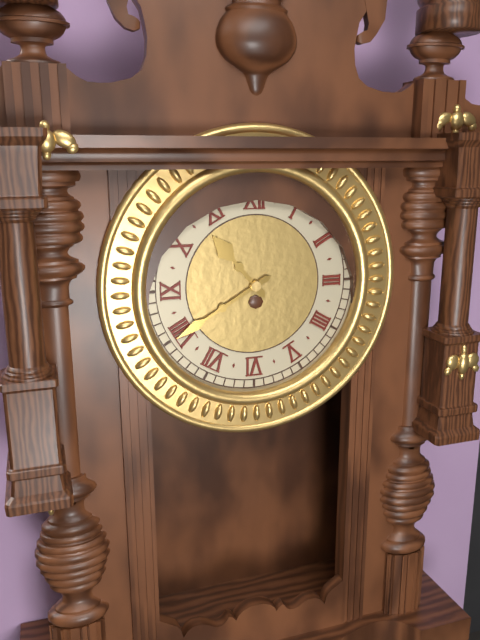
10:40
